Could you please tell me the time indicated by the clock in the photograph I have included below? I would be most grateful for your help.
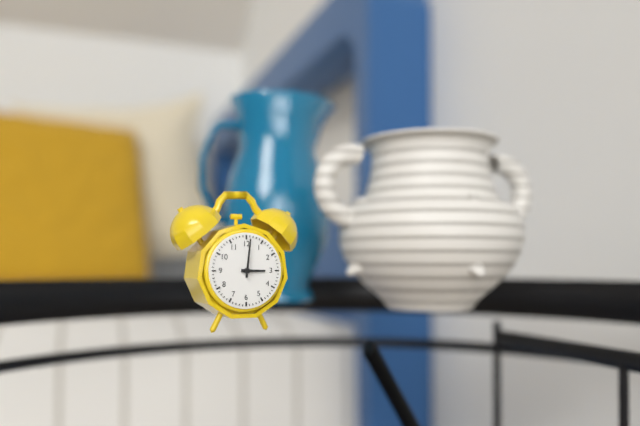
3:01
